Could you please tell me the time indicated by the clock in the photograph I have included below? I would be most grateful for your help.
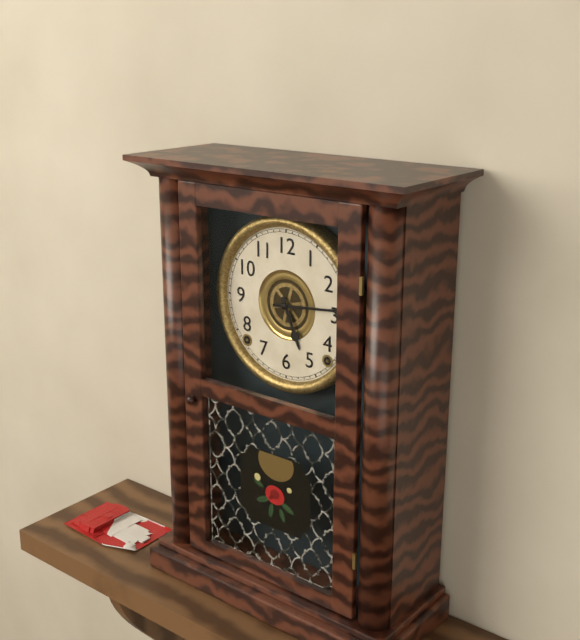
5:14
